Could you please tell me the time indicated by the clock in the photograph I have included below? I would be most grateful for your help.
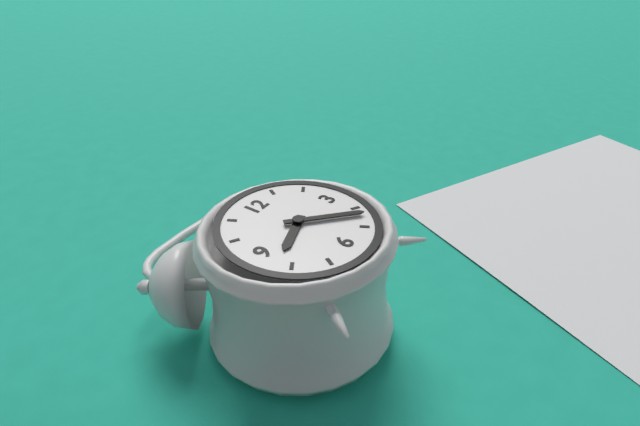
8:22
